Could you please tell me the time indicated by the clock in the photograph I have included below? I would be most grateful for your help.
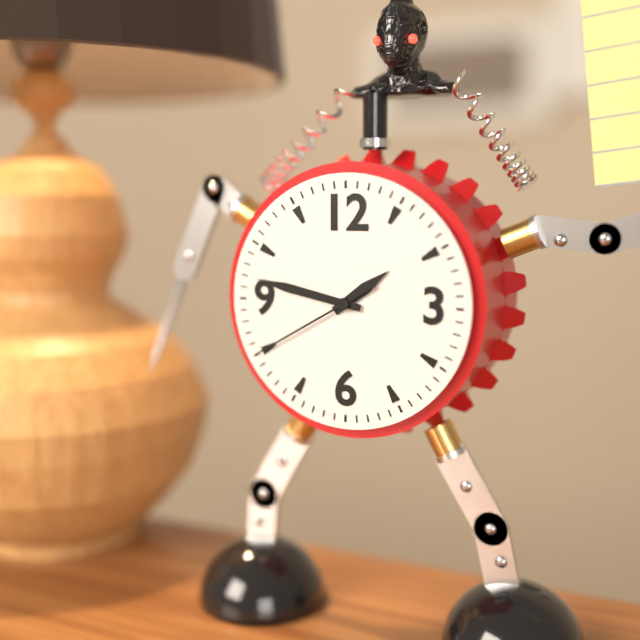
1:47:40
